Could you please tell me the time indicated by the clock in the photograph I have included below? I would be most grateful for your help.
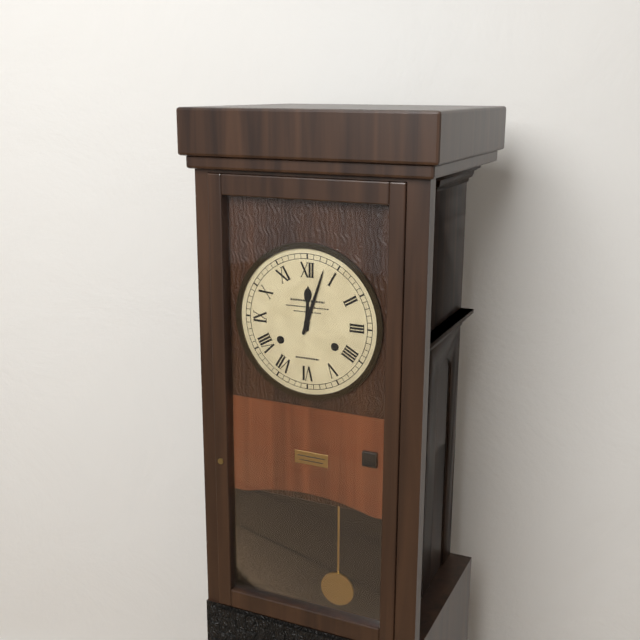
12:03
